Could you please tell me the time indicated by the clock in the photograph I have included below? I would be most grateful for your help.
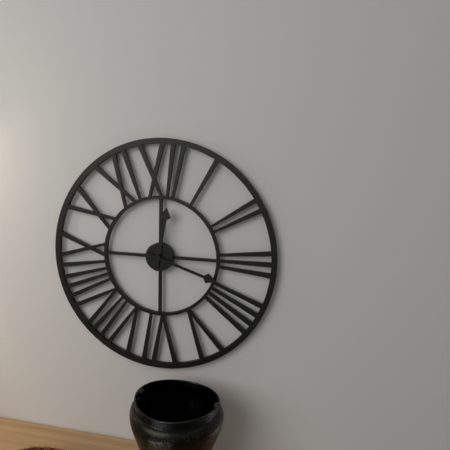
12:18
